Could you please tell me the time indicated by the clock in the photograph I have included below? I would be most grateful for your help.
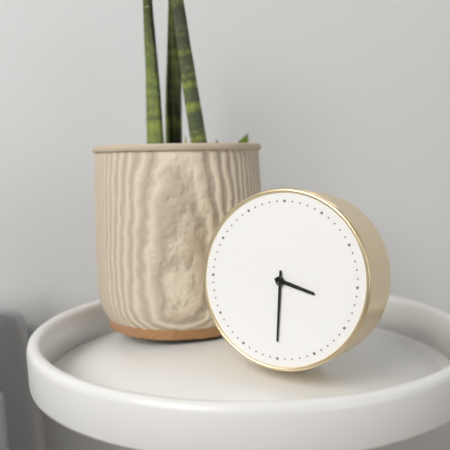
3:30
